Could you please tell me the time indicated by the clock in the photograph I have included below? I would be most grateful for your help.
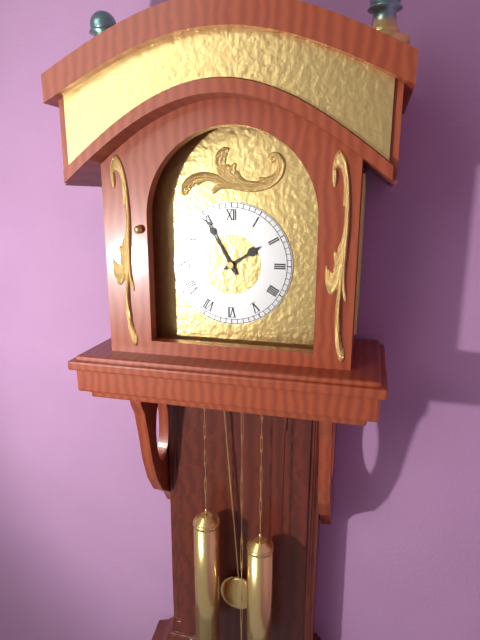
1:55
